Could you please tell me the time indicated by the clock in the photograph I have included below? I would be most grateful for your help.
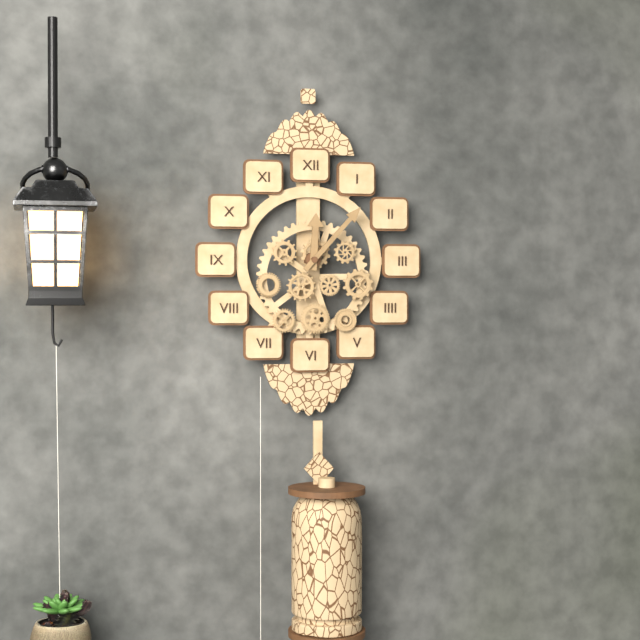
12:07
